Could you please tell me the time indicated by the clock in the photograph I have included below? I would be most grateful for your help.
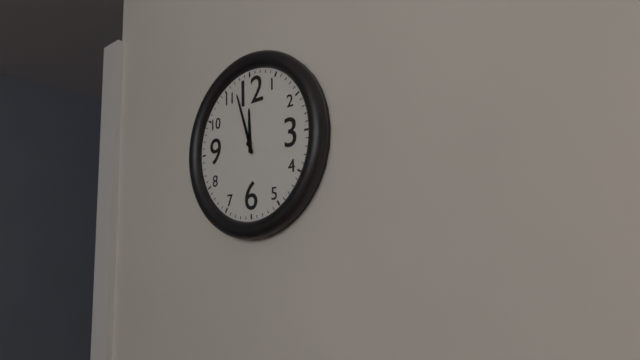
11:57
